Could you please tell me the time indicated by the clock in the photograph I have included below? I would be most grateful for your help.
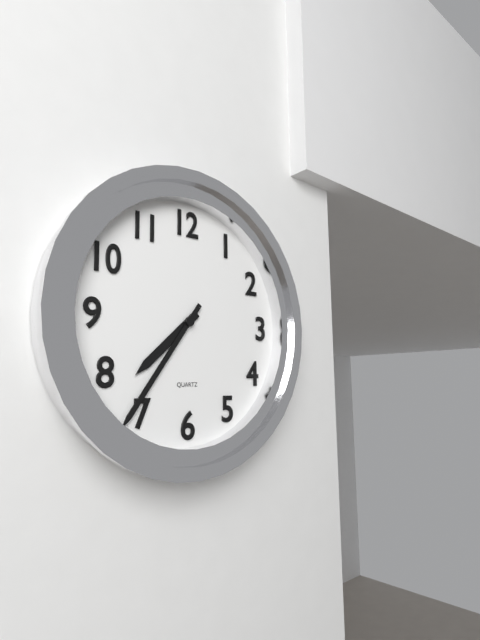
7:36
